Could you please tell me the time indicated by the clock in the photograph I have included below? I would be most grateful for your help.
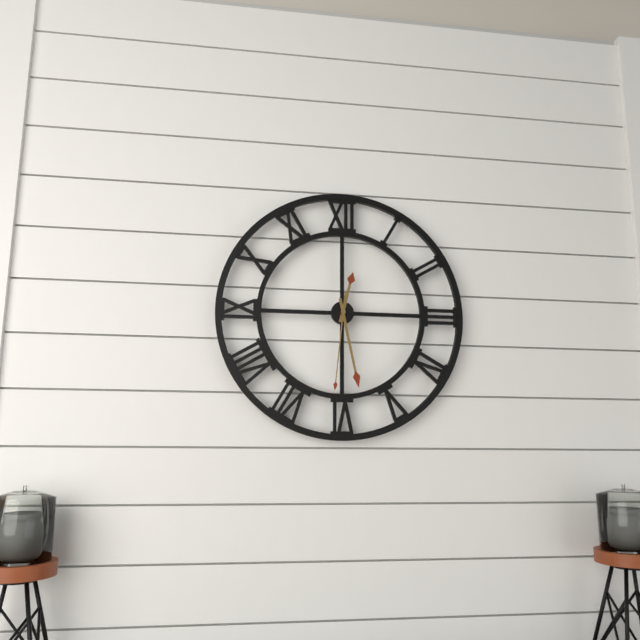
12:28:31
